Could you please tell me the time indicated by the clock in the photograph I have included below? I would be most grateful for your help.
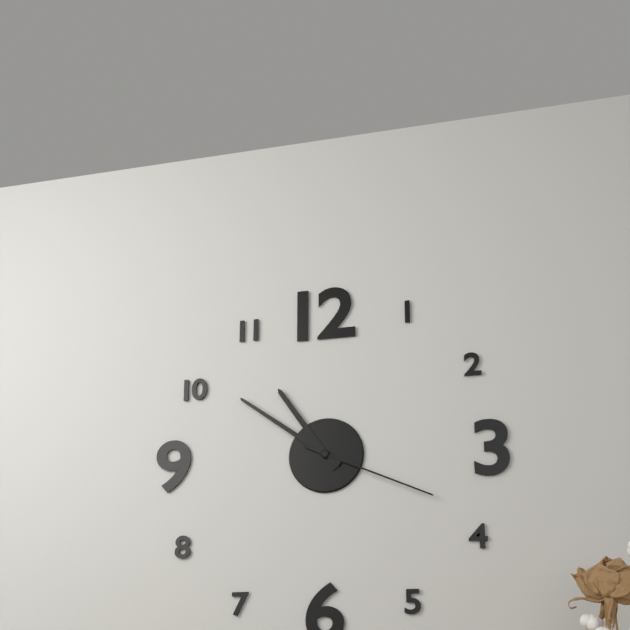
10:51:19
